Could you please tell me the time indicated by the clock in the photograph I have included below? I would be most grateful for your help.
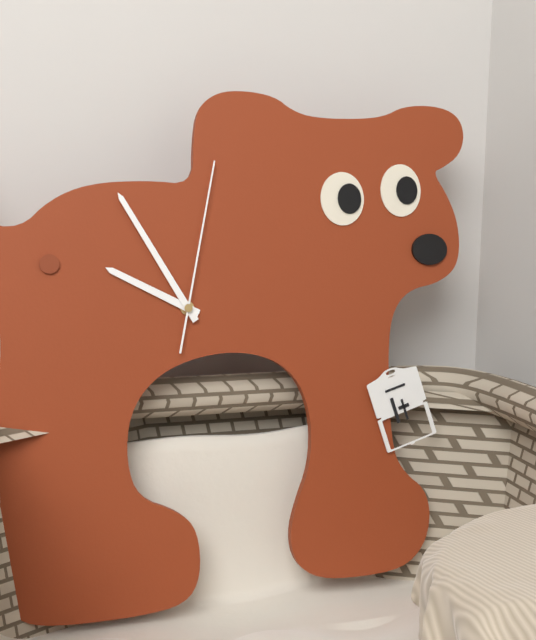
9:55:02
